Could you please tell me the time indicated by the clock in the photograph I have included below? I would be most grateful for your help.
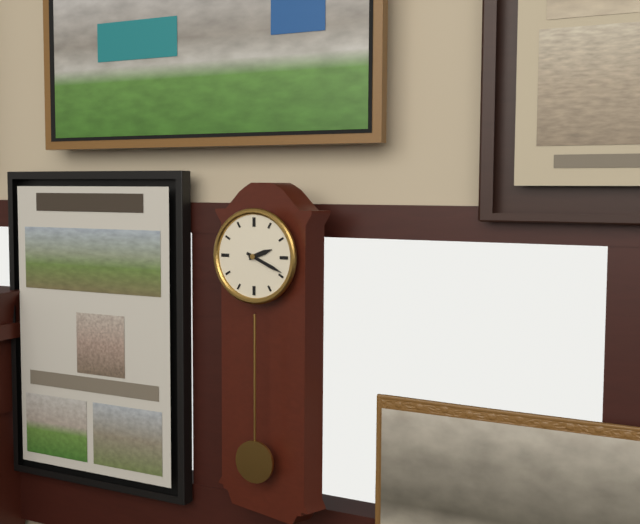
2:19
